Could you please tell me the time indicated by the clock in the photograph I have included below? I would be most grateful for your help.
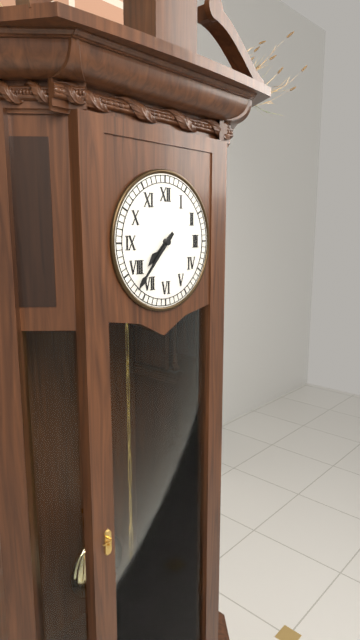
7:37
